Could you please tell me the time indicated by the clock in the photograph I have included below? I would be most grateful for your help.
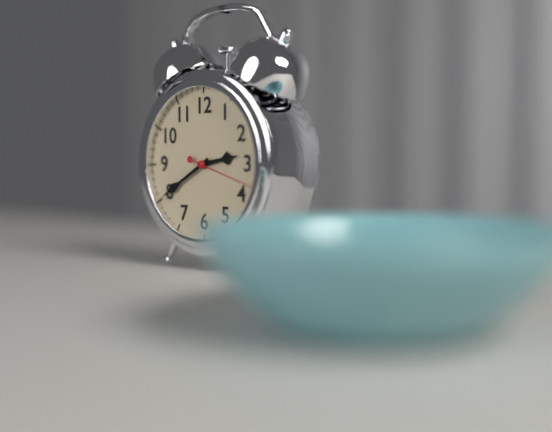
2:40:18
